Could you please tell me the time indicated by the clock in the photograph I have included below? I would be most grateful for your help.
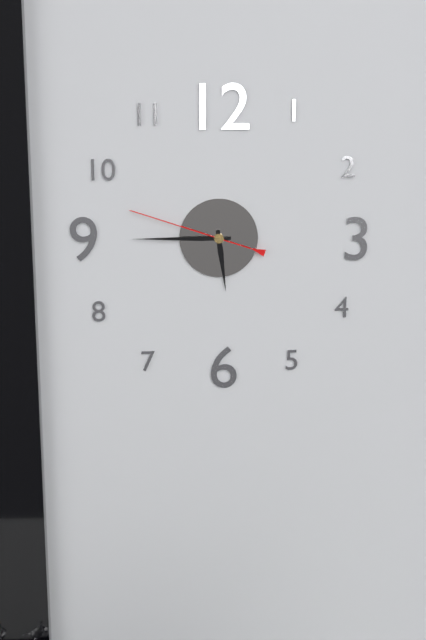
5:45:48
